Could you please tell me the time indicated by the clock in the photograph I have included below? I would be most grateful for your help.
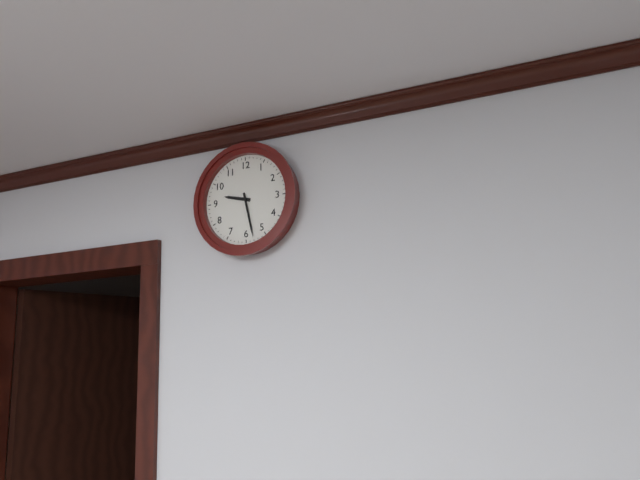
9:28
